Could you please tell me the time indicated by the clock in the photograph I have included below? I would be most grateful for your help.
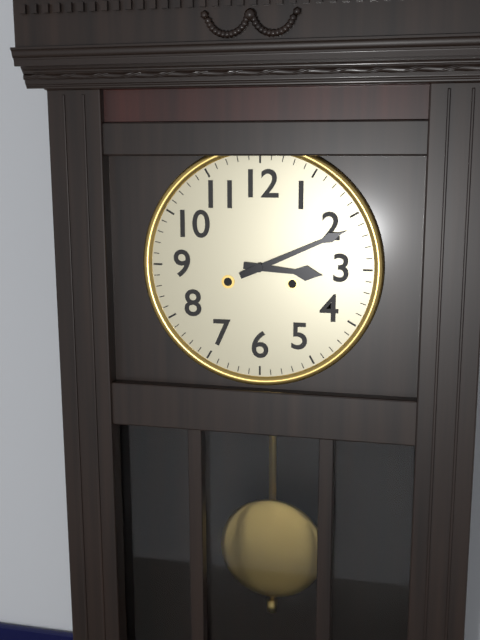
3:11
